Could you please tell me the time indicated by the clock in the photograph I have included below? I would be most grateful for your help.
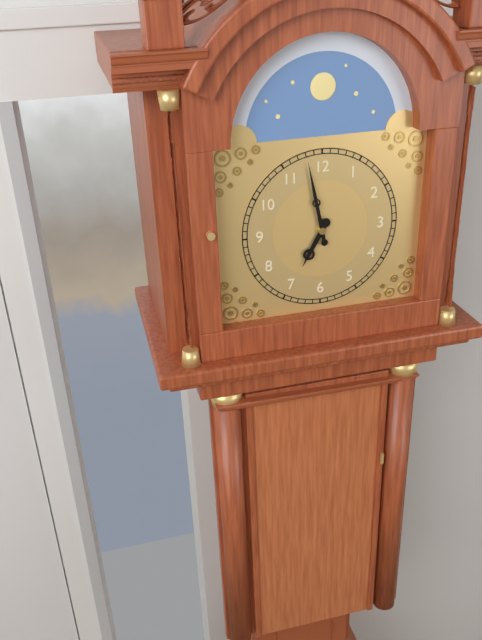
6:58
